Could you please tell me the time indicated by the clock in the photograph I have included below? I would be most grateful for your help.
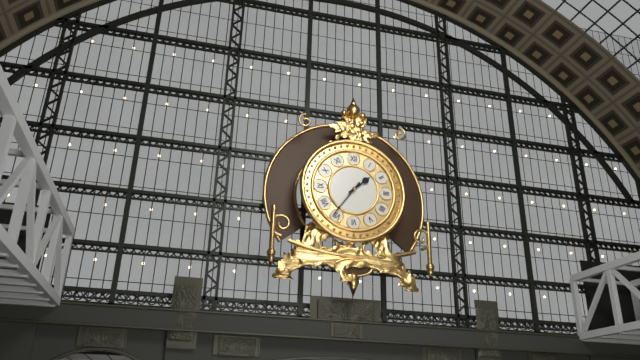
1:36
